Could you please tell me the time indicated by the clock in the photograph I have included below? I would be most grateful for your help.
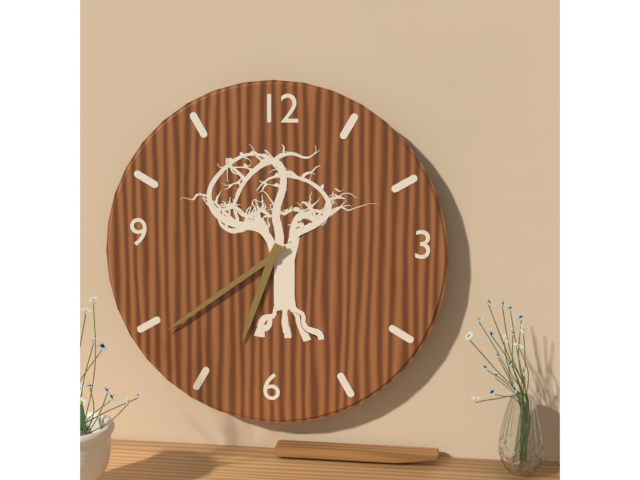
6:39
